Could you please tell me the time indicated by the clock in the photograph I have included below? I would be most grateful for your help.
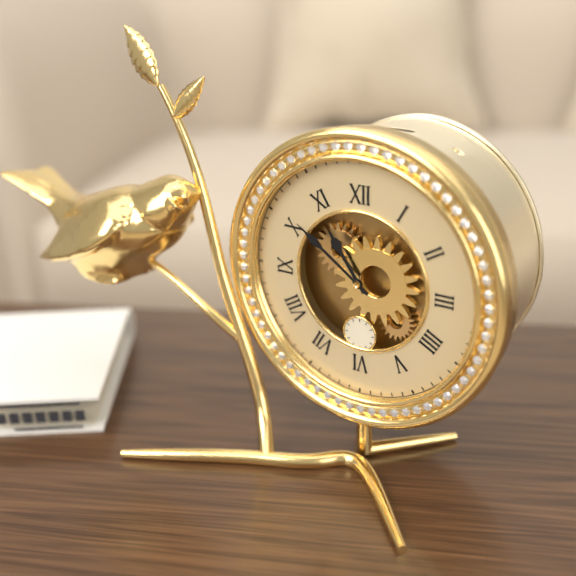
10:51
